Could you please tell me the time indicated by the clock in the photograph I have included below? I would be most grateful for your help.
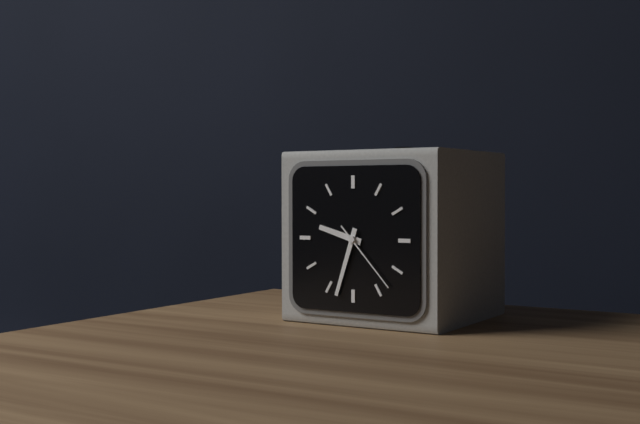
9:33:23
